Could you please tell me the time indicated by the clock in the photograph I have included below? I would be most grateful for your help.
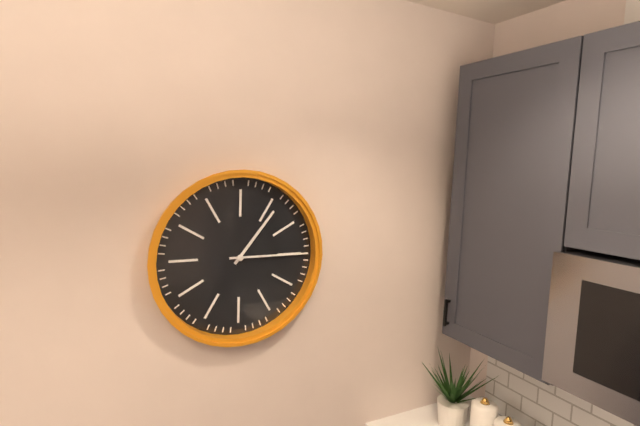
1:15
